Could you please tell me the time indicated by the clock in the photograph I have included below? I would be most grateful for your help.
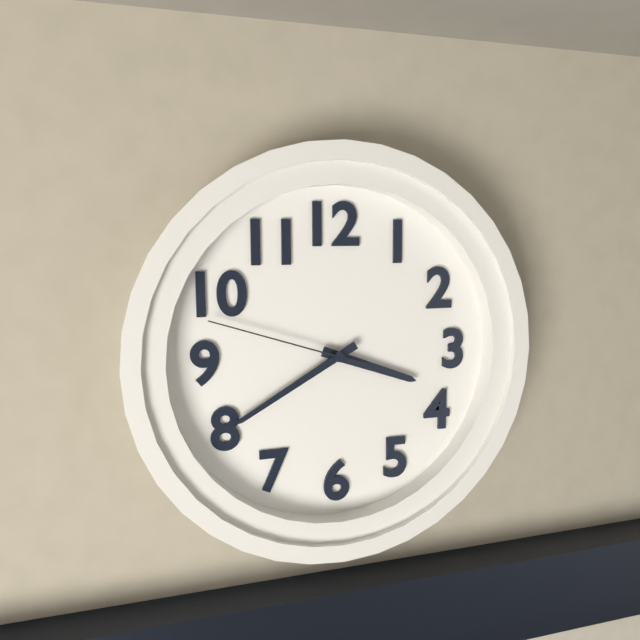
3:40:48
